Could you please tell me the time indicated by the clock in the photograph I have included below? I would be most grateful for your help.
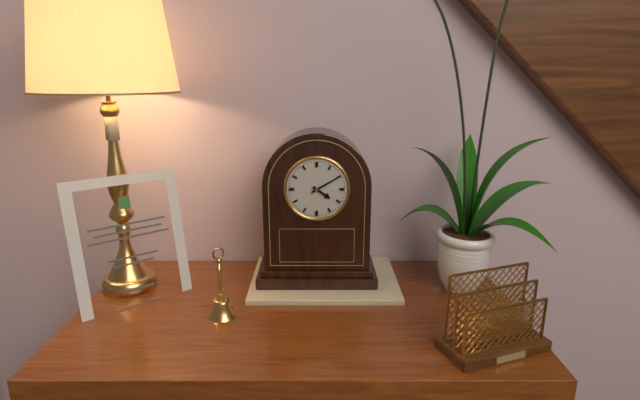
4:10
